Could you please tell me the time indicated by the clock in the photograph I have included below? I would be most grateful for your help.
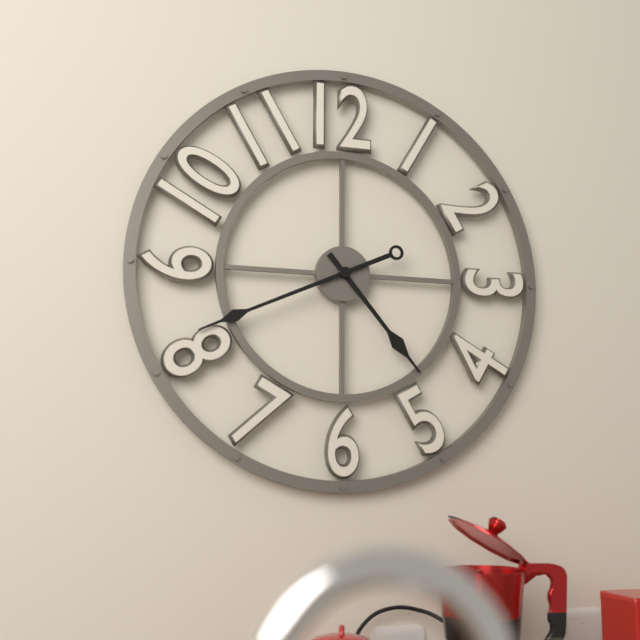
4:41
